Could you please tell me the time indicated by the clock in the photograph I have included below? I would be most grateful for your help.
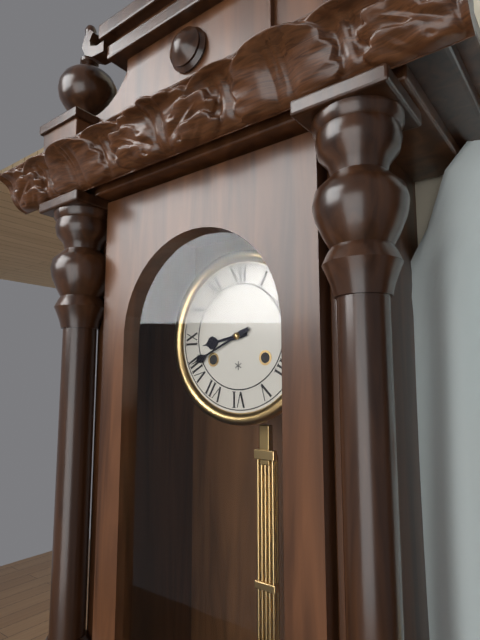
8:41
